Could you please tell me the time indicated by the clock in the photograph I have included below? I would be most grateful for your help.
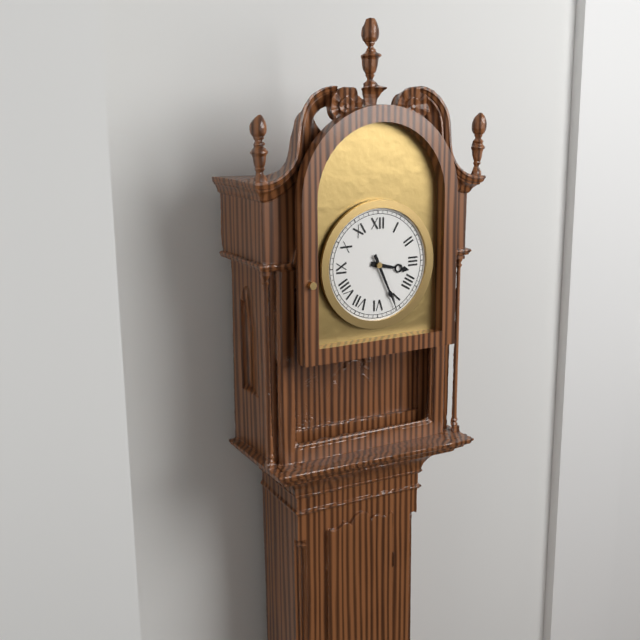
3:26
